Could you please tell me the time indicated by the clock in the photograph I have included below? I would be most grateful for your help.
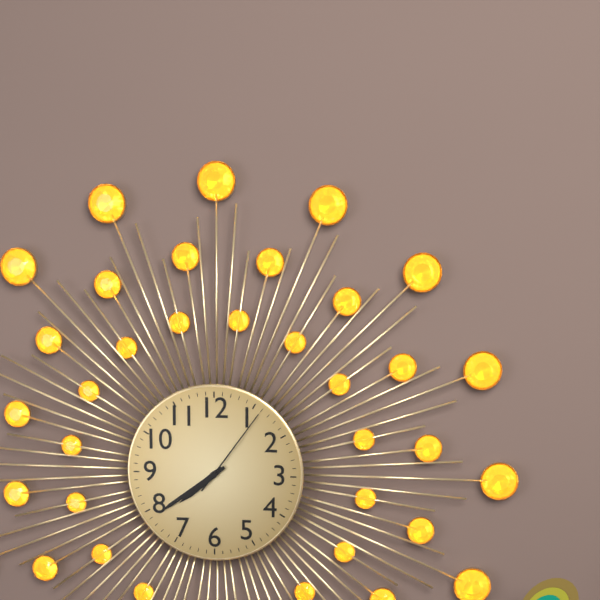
7:39:06
